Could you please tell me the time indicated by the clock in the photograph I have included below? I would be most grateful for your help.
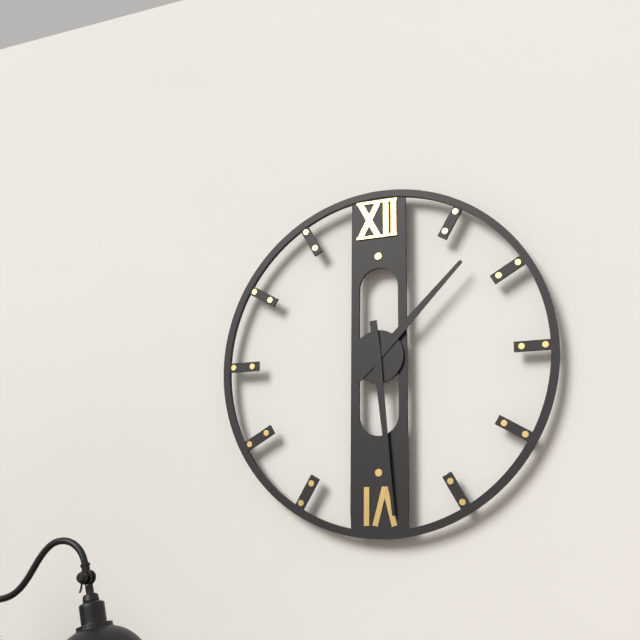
1:29
